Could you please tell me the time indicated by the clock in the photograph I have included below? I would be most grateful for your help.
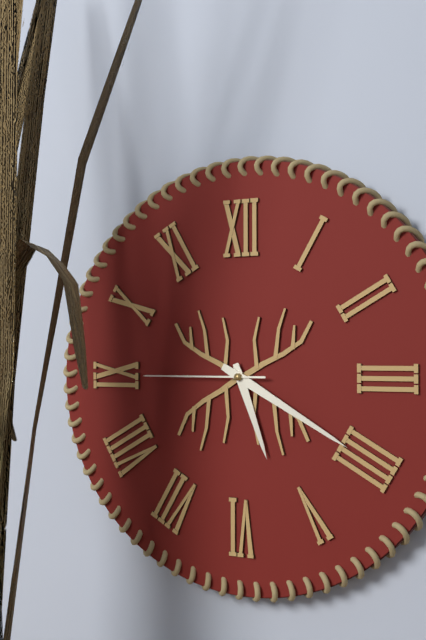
5:20:45
